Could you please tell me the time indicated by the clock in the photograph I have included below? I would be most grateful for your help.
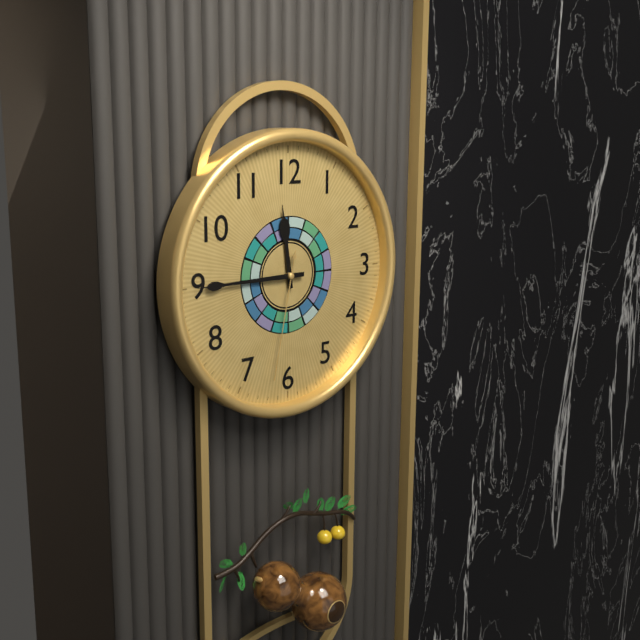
11:45:32
